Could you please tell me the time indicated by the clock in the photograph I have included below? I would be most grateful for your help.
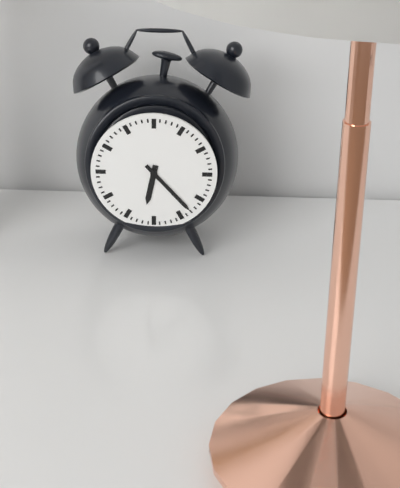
6:23
